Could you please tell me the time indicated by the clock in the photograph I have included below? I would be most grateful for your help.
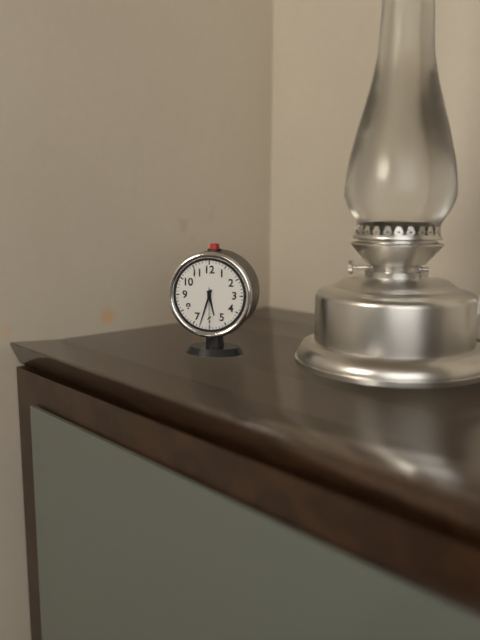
5:33
